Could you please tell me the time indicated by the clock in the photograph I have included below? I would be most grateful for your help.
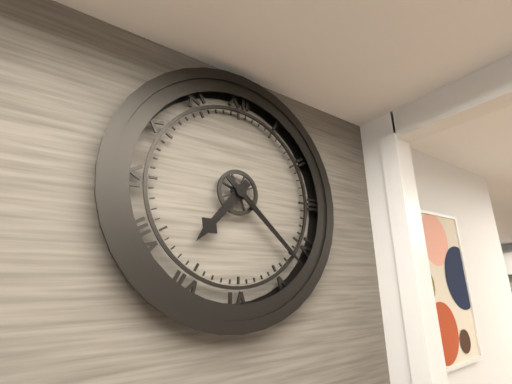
7:22
